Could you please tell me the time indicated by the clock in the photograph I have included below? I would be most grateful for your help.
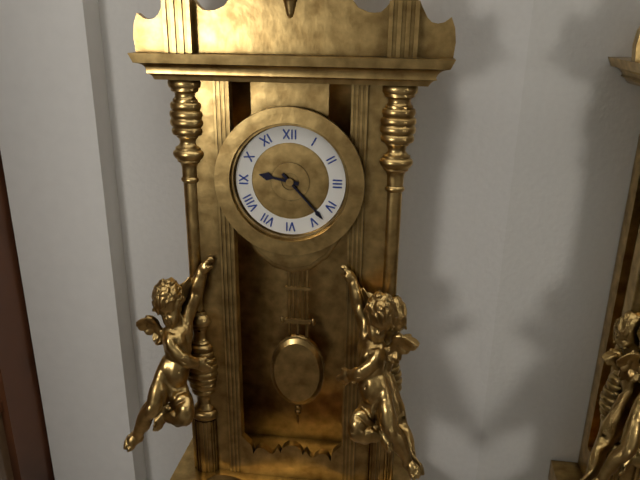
9:23
